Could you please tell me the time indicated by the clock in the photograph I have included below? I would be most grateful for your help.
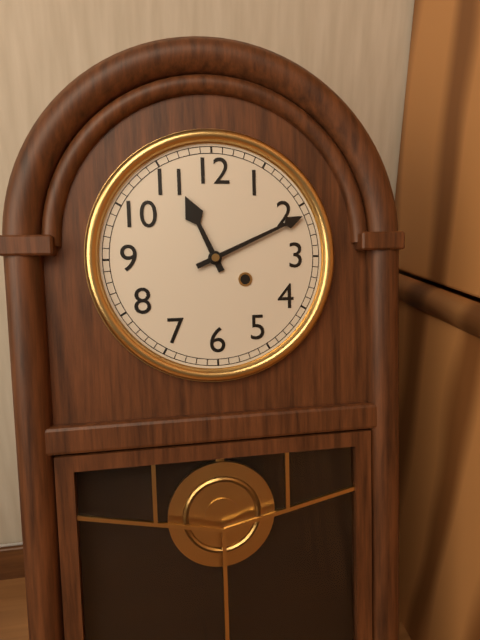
11:11
